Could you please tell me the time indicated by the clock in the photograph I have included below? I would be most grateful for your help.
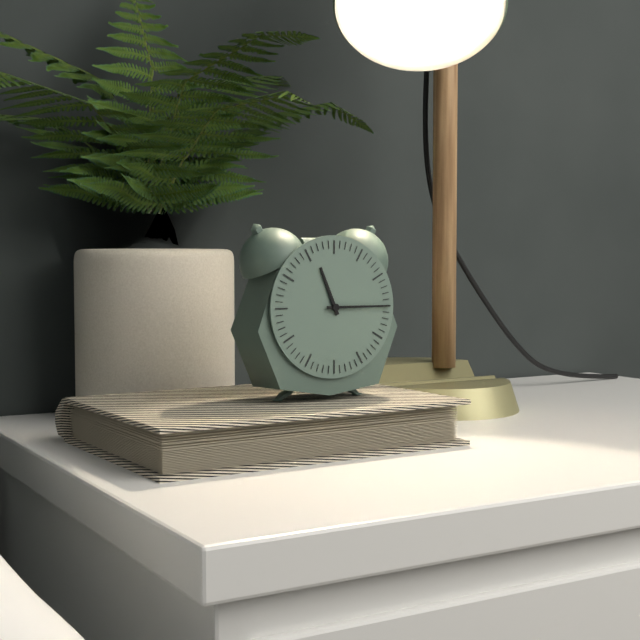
11:15
